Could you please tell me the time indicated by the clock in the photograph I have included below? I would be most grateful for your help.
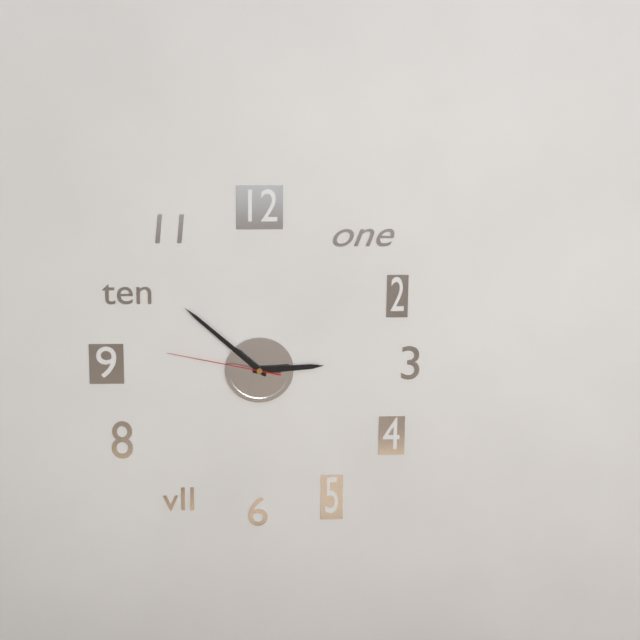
2:52:47
